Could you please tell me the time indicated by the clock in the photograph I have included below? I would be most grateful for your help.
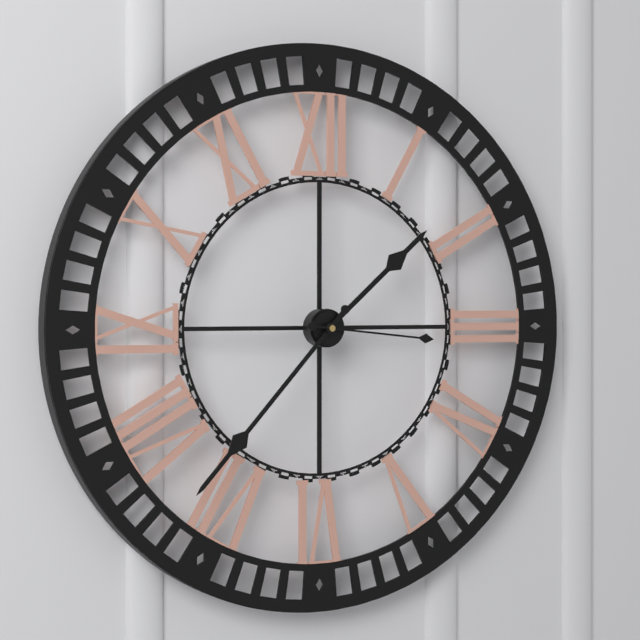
1:37:16
